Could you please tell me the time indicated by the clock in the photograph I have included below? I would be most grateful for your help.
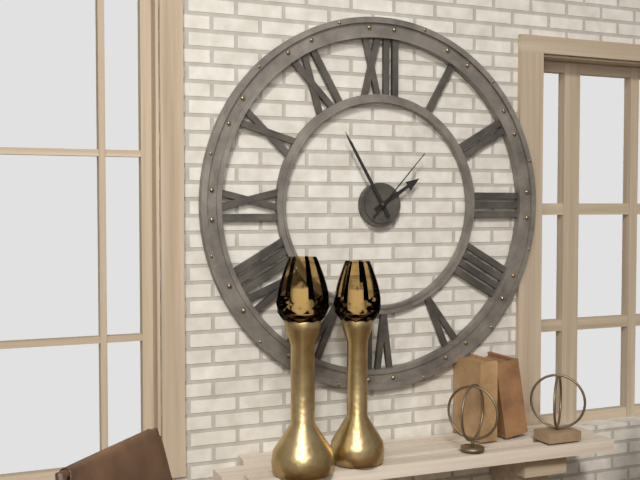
1:55:07
